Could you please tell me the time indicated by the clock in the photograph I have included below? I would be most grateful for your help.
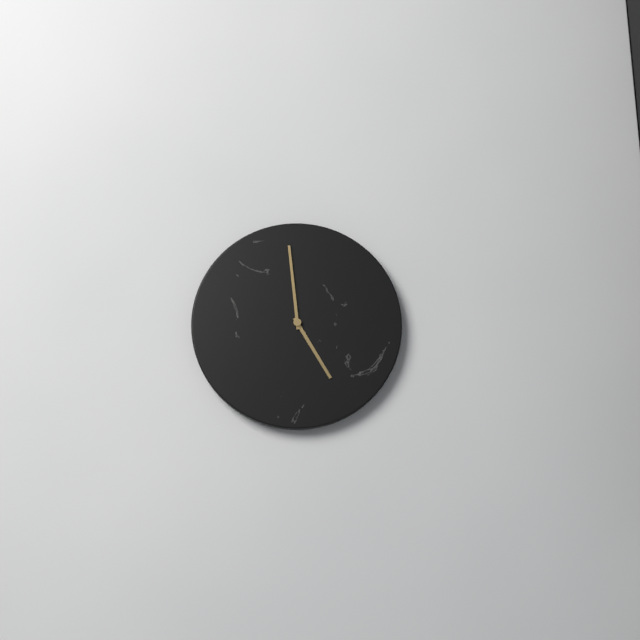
4:59
